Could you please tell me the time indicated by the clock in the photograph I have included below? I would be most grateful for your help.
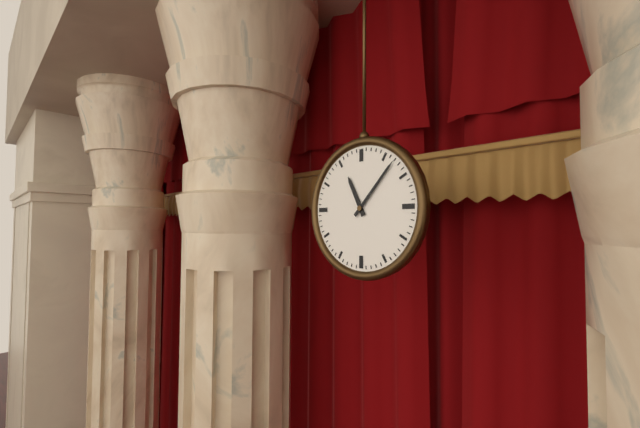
11:07
